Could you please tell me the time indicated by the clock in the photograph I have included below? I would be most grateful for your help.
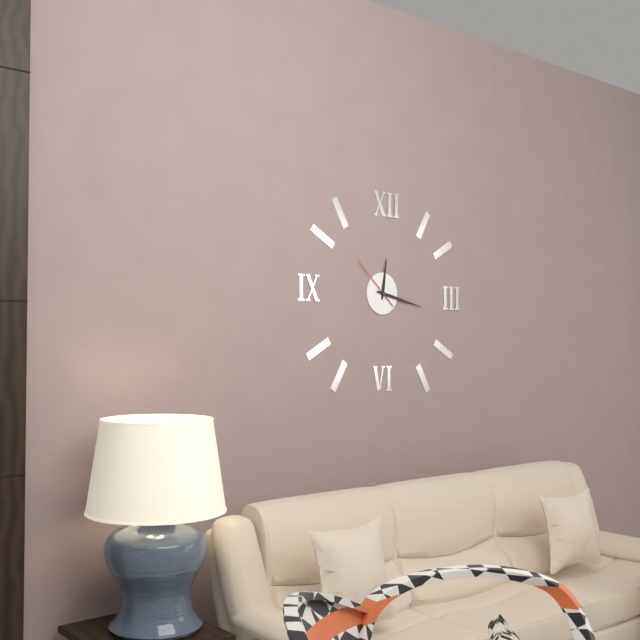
12:17:52
